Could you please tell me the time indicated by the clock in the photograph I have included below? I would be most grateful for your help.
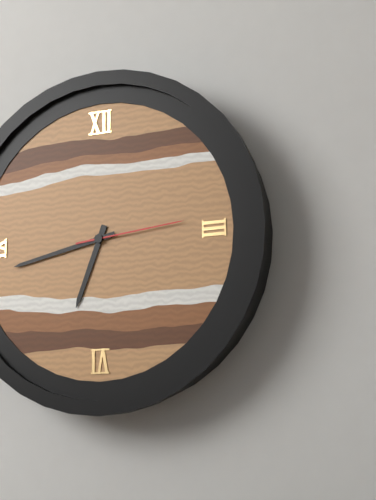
6:43:14
